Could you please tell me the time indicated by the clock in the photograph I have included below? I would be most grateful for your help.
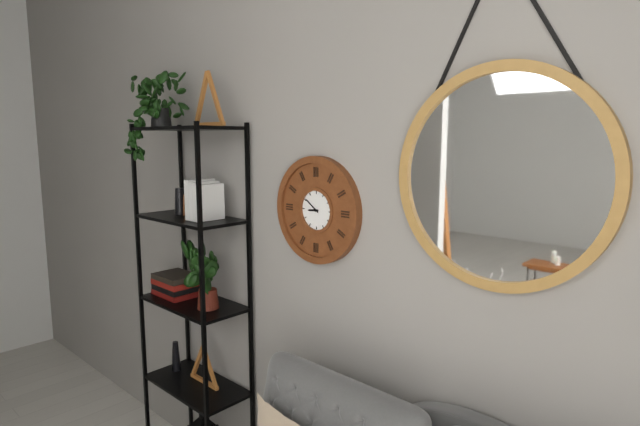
8:51
